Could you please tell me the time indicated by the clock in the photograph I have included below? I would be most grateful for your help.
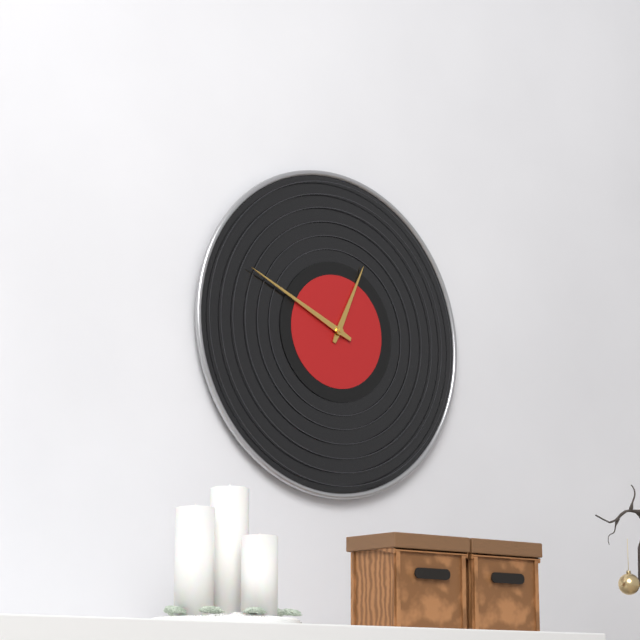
12:49
